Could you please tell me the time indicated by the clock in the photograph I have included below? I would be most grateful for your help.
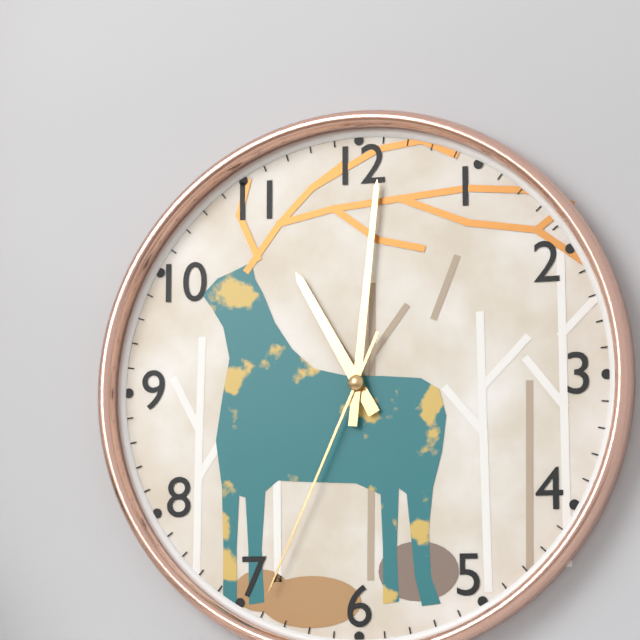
11:01:34
